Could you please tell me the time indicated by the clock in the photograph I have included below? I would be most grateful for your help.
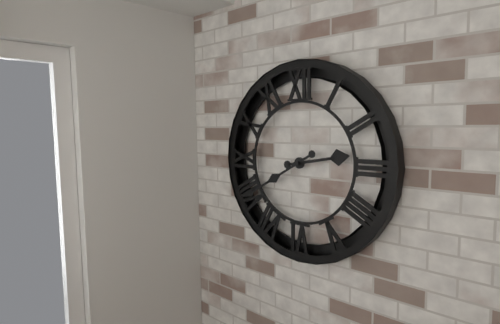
2:40
